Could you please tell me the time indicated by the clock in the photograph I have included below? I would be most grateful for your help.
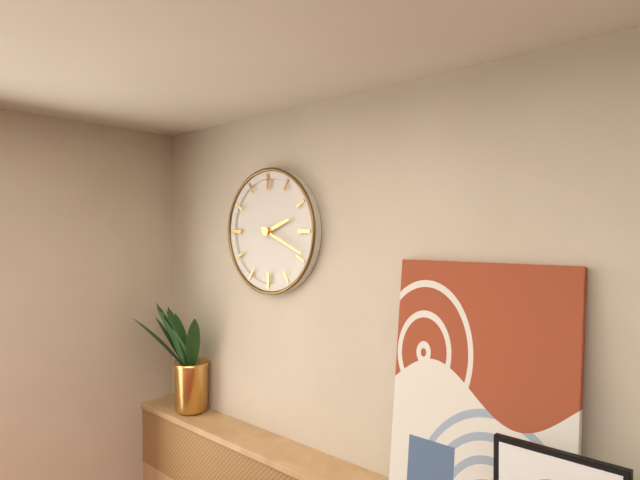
2:19
